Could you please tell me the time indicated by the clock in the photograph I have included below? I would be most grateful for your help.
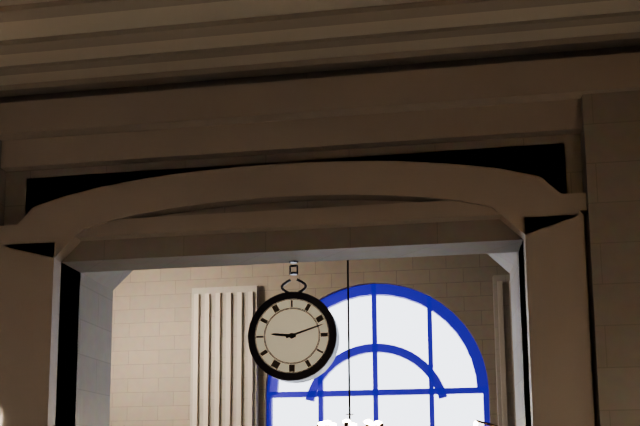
9:12
